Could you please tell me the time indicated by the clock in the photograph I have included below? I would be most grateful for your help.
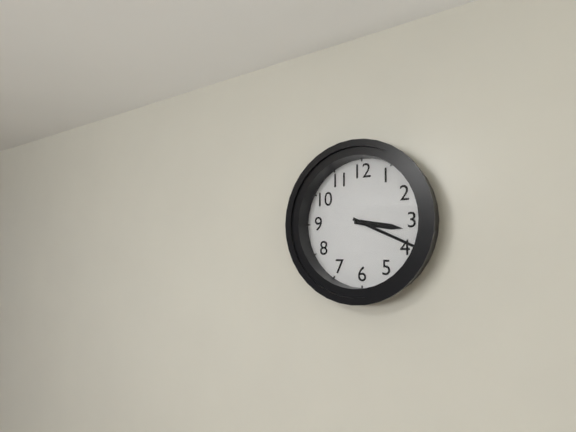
3:19
